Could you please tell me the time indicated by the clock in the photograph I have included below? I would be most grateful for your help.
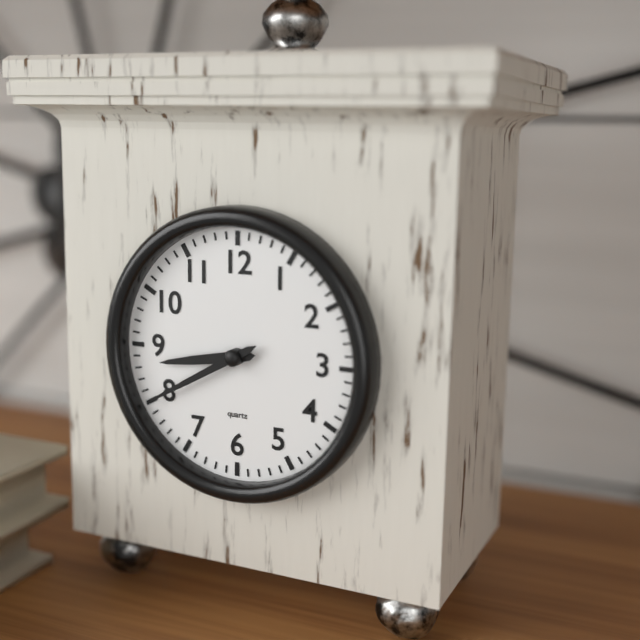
8:40
